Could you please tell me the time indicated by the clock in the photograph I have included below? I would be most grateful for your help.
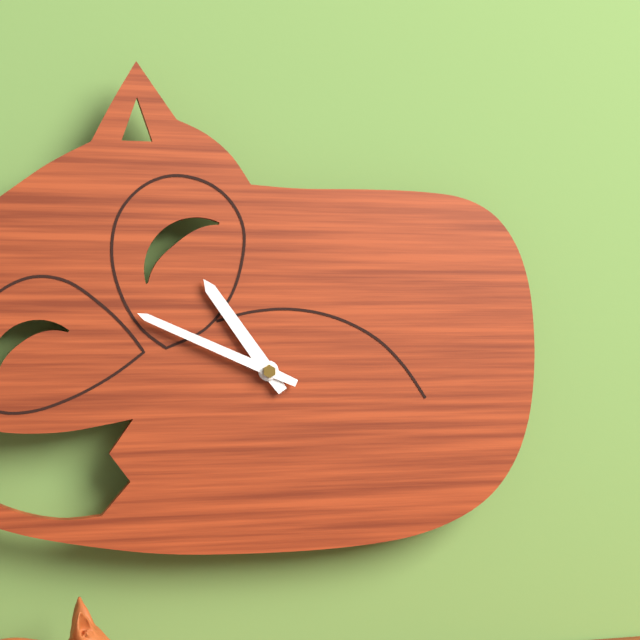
10:49
